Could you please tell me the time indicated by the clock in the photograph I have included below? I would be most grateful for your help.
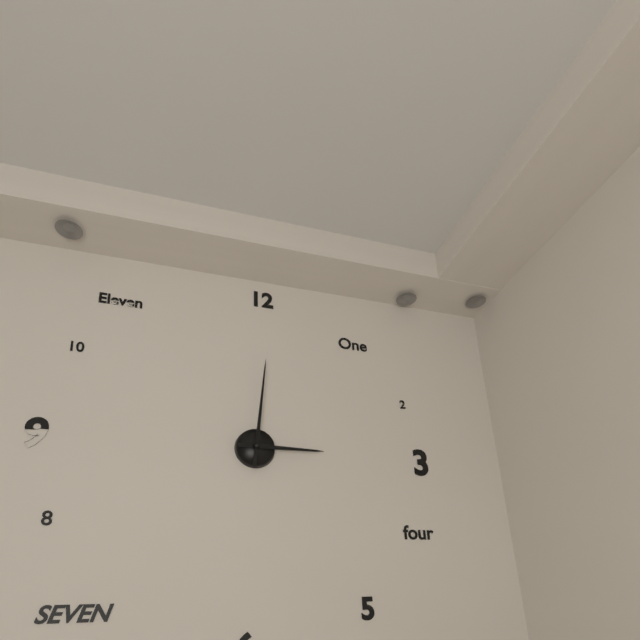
3:01
